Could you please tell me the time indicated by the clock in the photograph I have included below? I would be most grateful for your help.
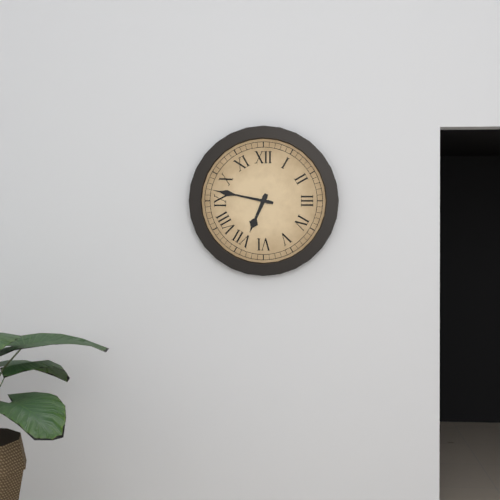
6:47
